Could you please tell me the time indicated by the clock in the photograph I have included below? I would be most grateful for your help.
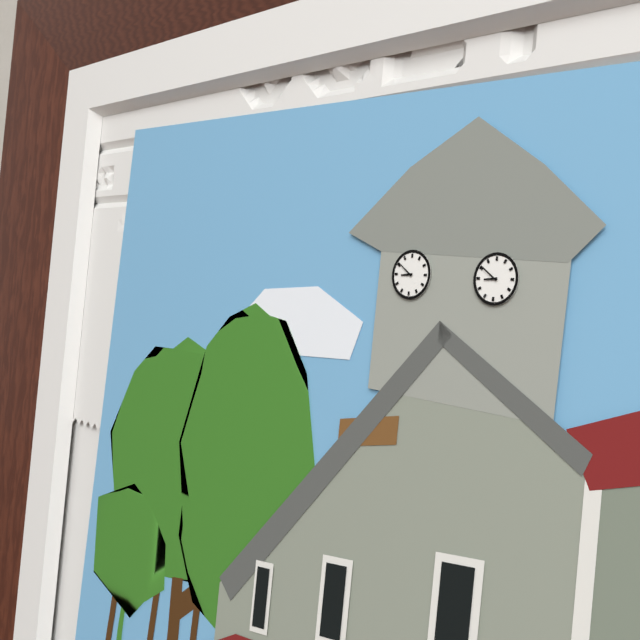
8:51
